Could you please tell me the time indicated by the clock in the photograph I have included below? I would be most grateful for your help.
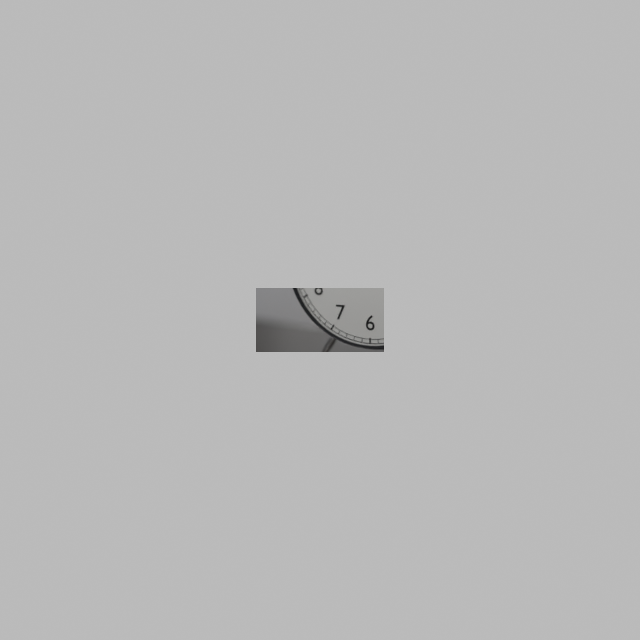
10:06:52
